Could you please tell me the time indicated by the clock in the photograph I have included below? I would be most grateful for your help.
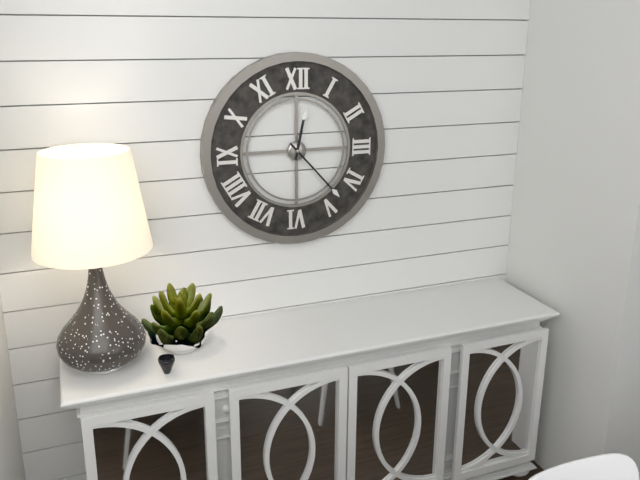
12:23
